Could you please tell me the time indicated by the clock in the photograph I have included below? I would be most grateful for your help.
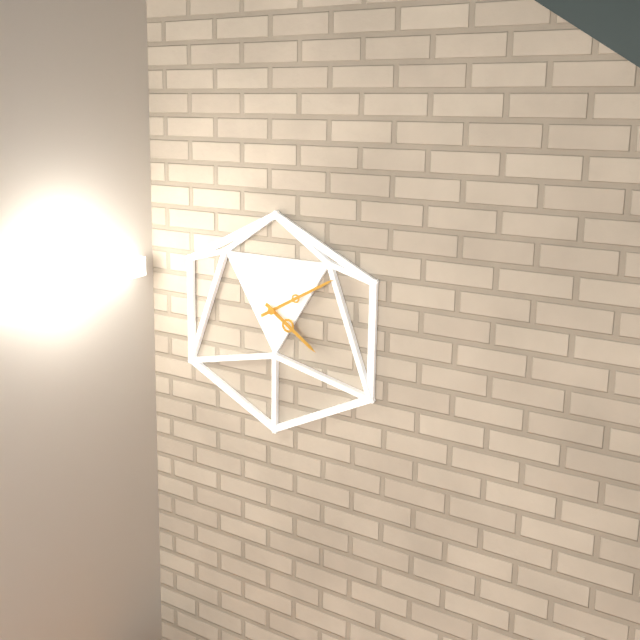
4:10
